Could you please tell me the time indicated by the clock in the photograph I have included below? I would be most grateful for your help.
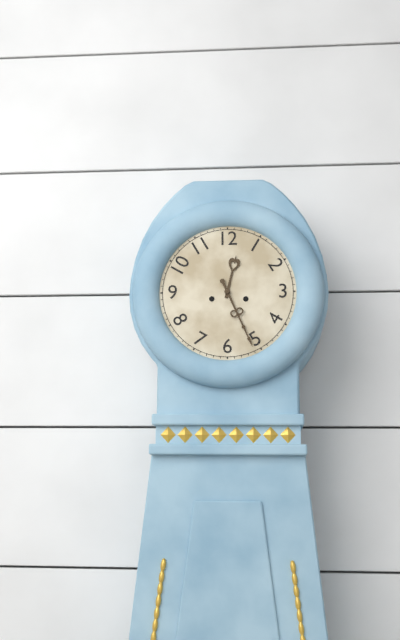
12:26
